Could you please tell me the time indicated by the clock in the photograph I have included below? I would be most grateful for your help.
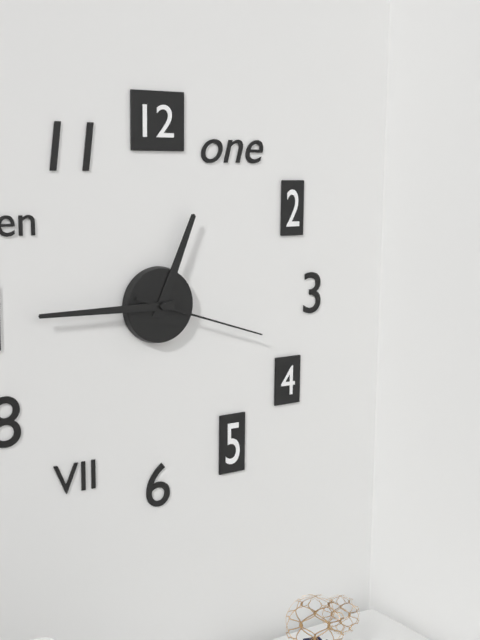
12:45:18
